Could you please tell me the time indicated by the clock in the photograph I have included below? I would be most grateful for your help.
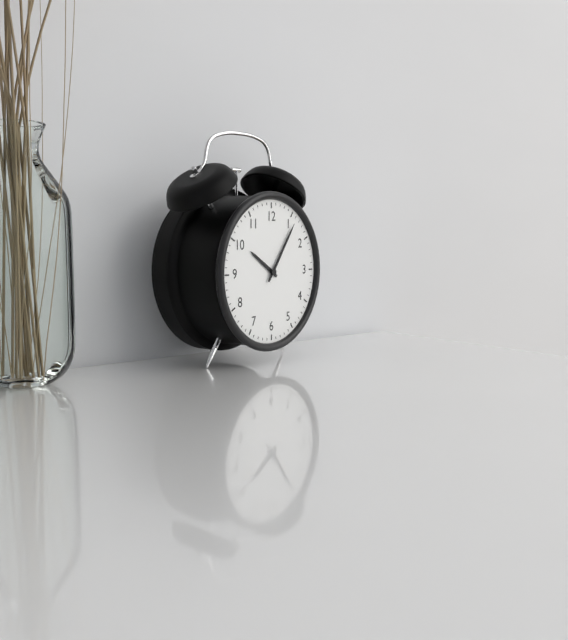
10:06
